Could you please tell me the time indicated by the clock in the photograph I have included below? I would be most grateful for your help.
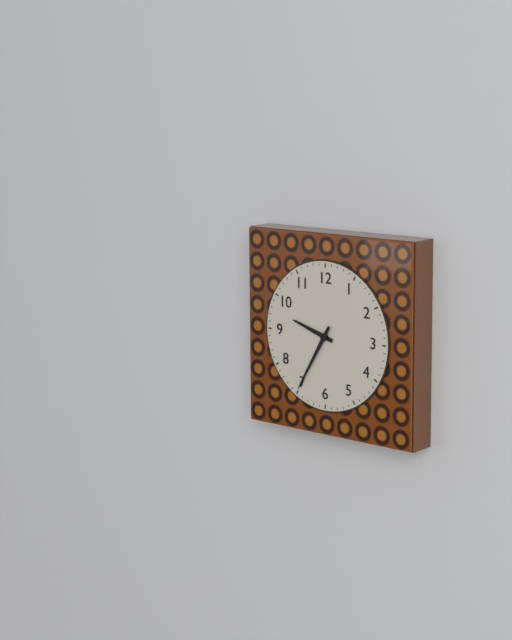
9:35
